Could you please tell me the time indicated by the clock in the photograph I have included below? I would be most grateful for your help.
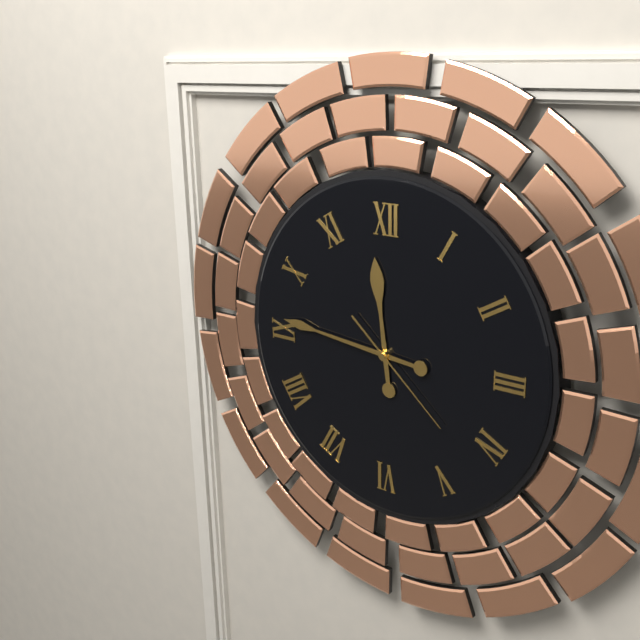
11:46:22
